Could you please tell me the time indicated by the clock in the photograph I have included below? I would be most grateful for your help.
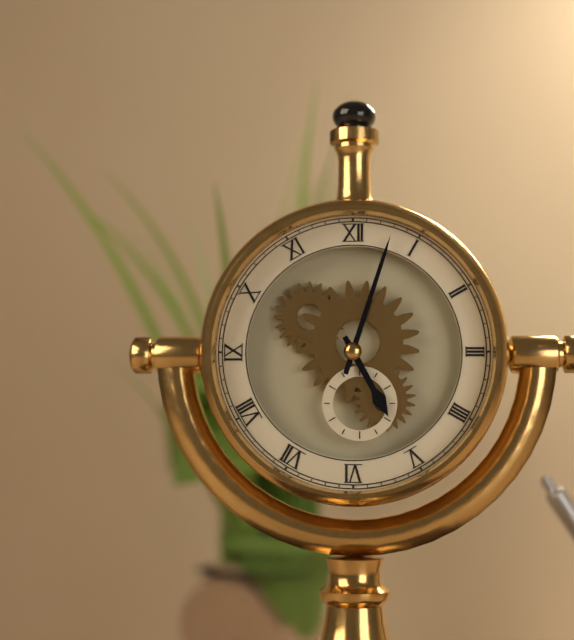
5:03
